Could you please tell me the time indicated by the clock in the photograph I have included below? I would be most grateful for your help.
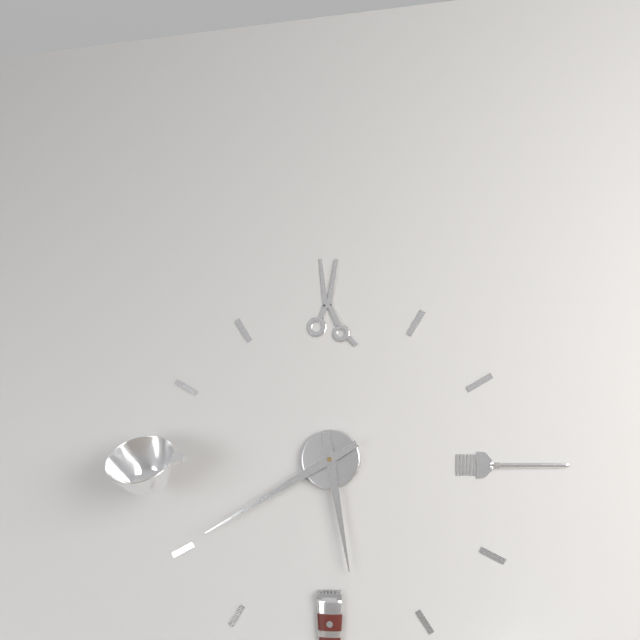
5:40
